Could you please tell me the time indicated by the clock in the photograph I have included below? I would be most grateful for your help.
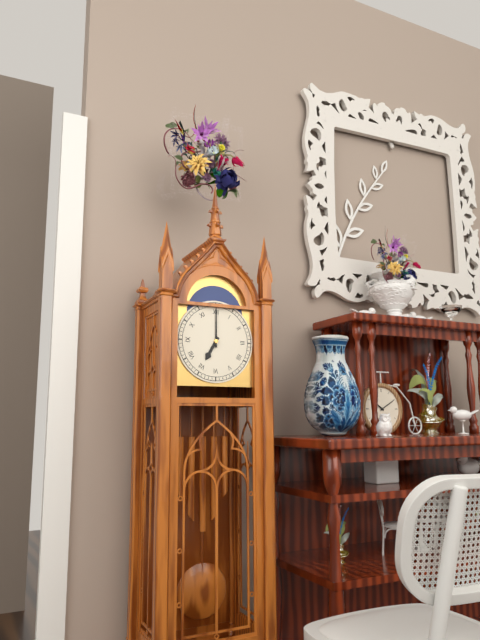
7:00
